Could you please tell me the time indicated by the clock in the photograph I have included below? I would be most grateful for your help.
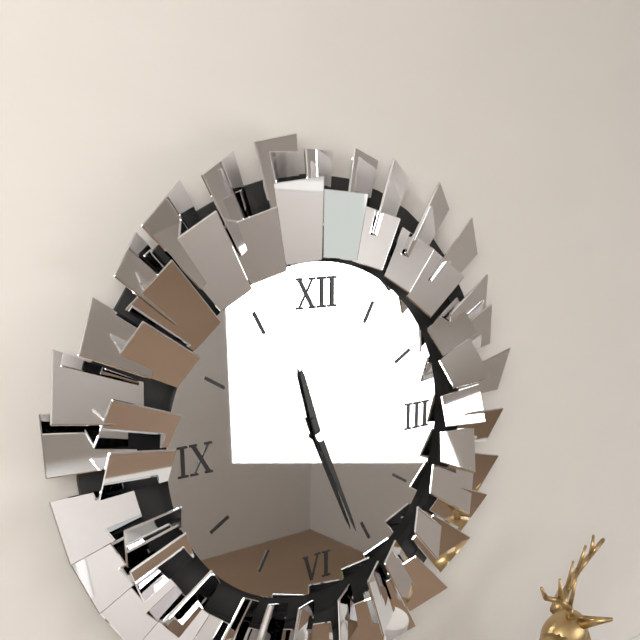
11:26
